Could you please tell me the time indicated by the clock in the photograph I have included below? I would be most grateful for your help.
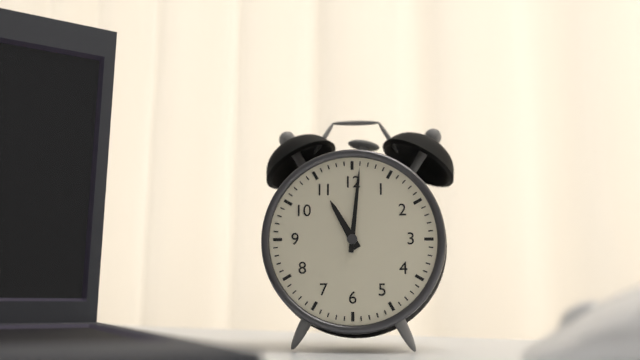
11:01
